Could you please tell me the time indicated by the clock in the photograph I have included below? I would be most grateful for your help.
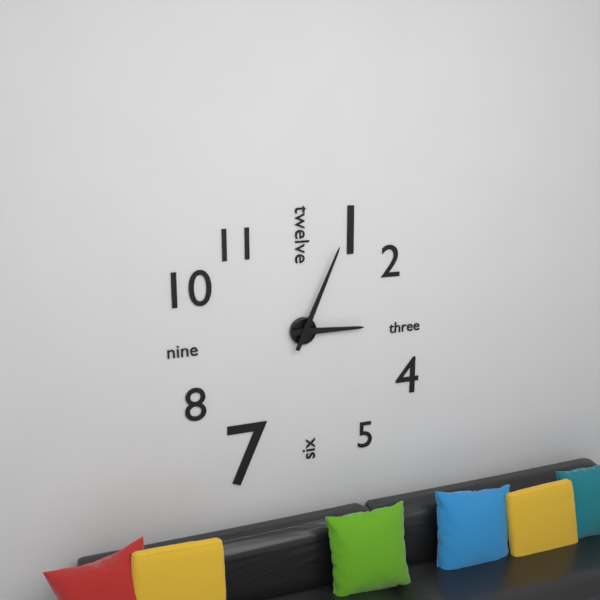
3:04
